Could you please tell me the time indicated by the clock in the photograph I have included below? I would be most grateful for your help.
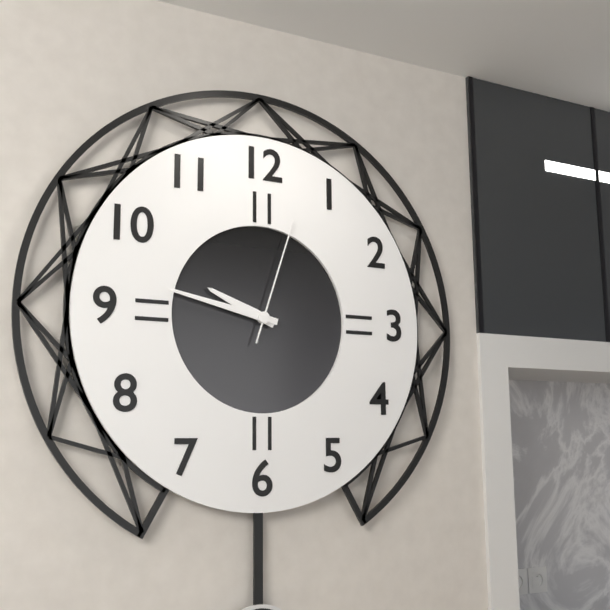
9:47:03
